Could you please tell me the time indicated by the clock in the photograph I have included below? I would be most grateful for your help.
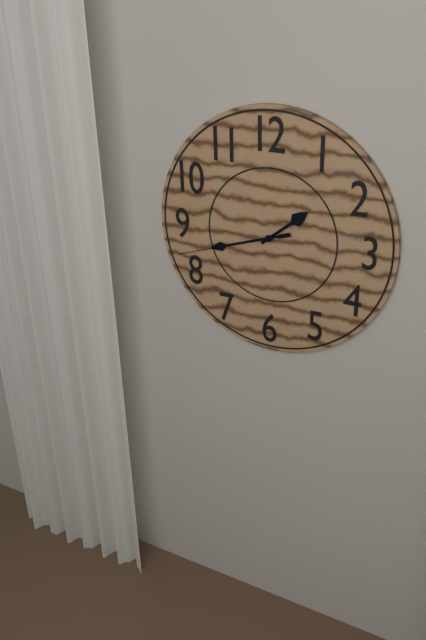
1:42:42
